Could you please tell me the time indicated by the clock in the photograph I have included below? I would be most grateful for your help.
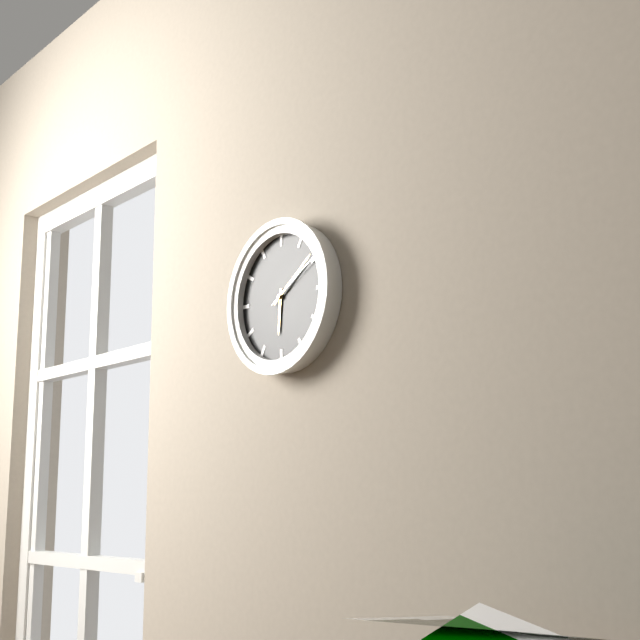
6:09:10
